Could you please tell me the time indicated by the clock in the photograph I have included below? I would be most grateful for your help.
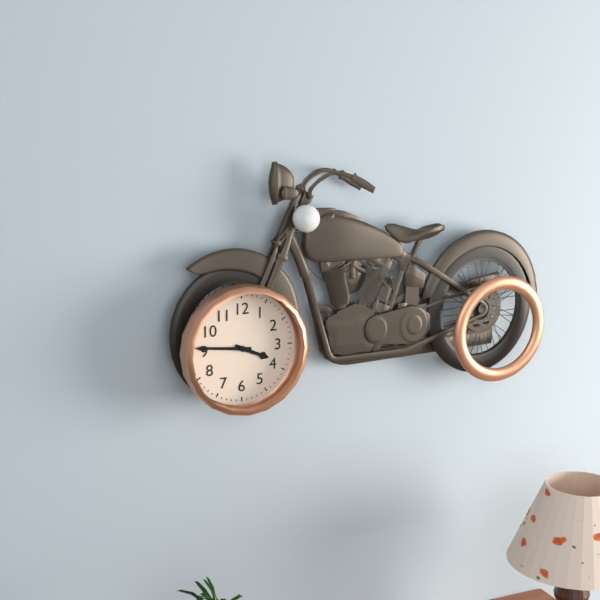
3:46
